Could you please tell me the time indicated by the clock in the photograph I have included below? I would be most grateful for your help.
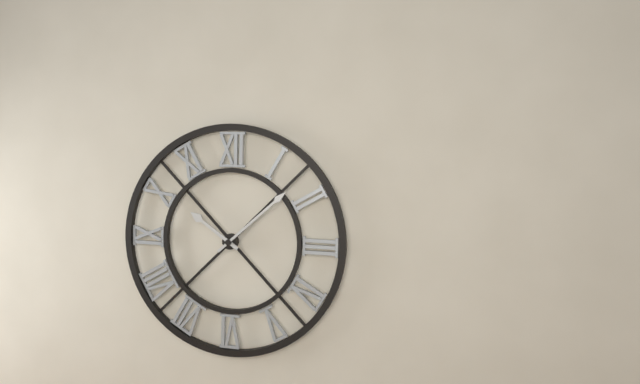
10:08
